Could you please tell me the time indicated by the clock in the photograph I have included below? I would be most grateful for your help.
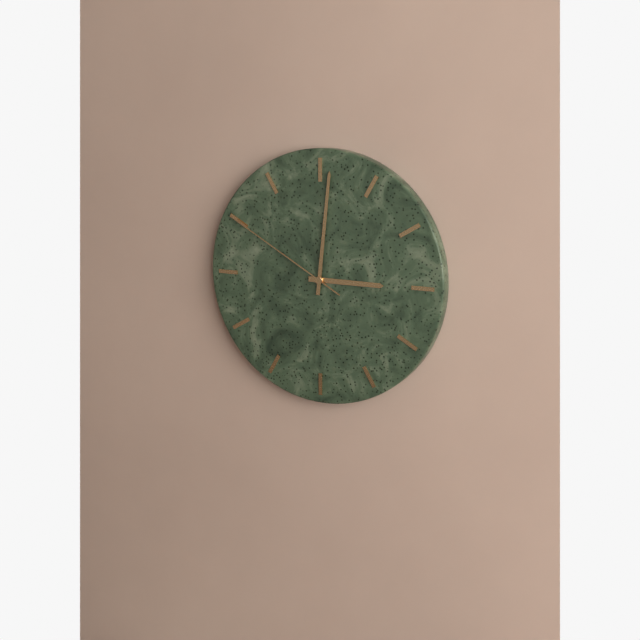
3:01:50
